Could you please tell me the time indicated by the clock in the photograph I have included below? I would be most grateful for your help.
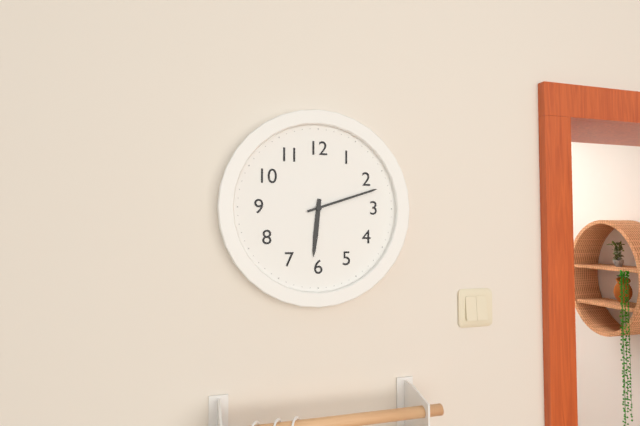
6:12
